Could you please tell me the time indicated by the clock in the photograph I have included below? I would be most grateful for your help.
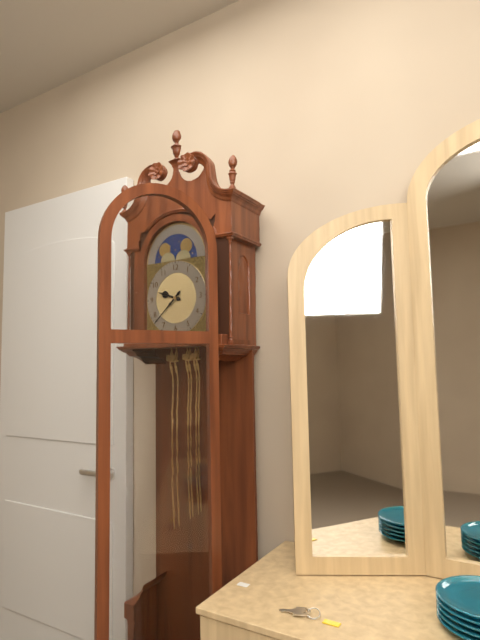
9:38
